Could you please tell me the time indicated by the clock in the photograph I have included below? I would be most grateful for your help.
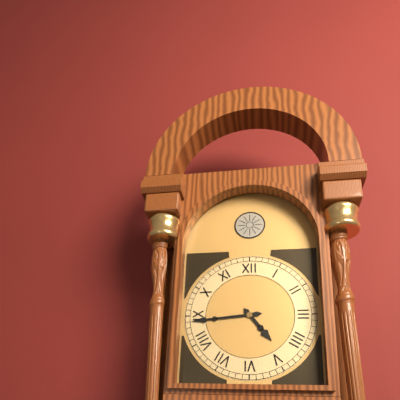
4:44
